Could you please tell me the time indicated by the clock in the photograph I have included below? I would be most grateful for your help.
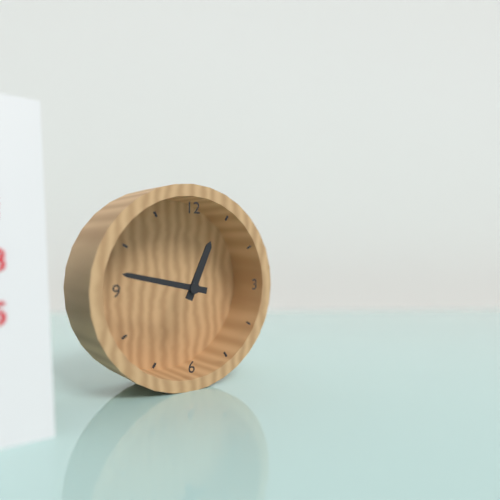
12:47
